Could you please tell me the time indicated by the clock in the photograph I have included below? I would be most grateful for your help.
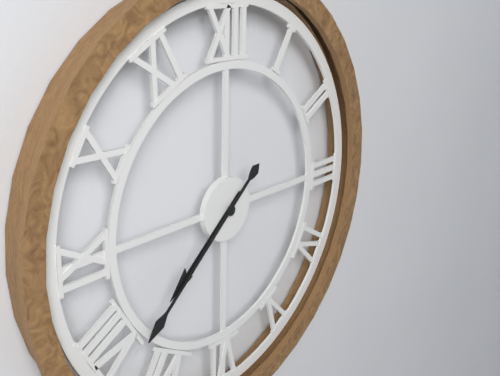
7:38
